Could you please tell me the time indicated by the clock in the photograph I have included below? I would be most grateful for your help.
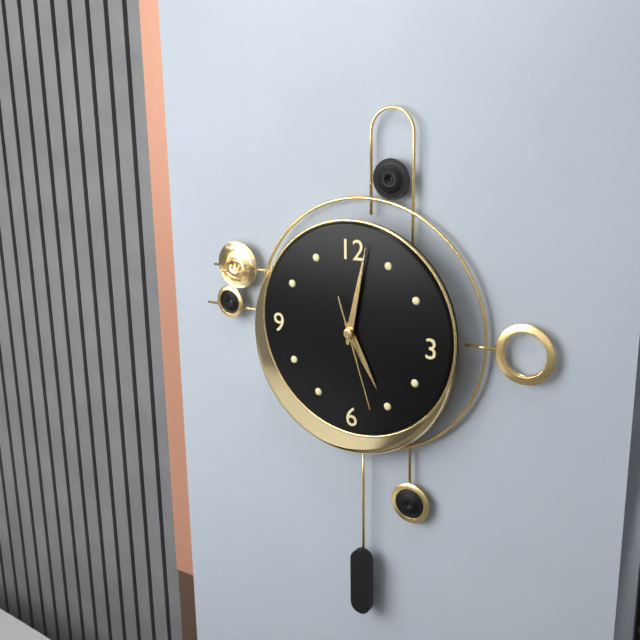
5:02:27
